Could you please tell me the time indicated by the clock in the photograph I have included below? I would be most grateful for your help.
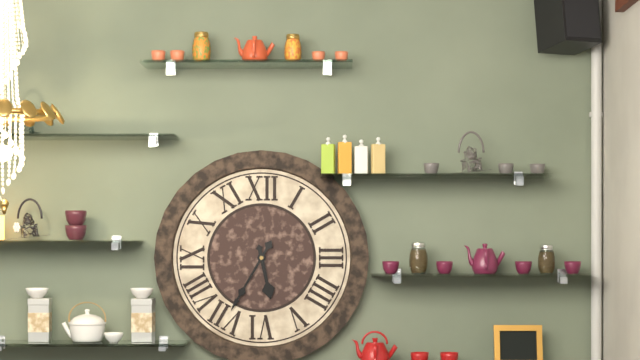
5:35
